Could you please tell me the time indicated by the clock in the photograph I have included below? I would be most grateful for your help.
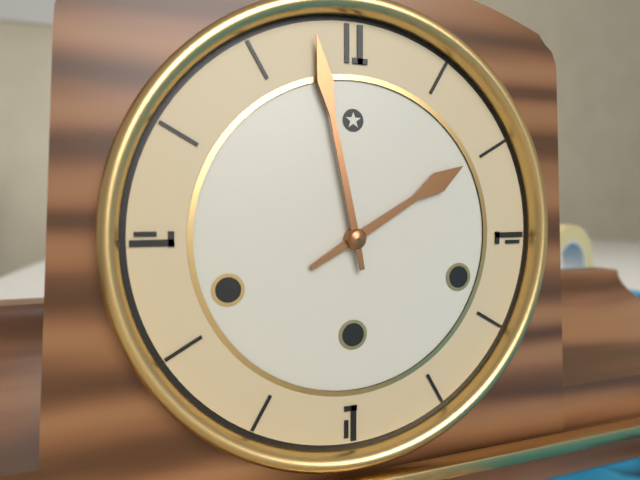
1:58
